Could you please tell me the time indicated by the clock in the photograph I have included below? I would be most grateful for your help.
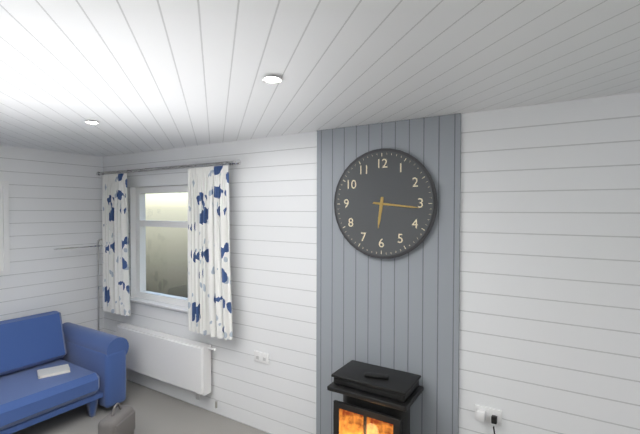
6:16
